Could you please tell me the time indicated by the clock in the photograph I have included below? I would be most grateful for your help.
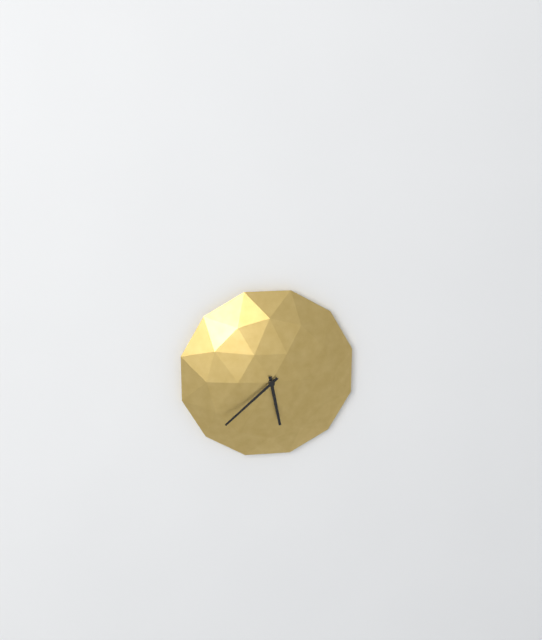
5:38
